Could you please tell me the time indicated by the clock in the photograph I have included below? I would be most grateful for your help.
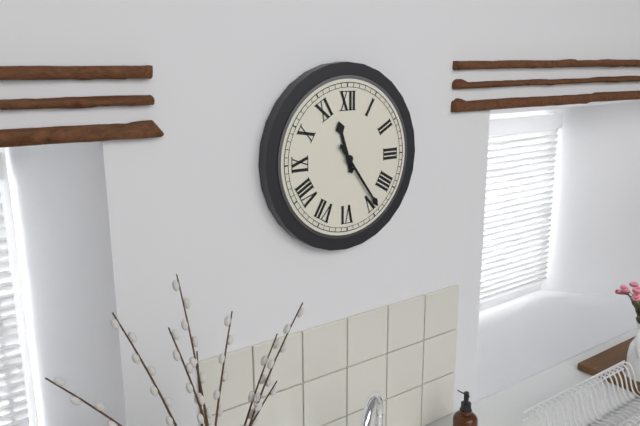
11:24
